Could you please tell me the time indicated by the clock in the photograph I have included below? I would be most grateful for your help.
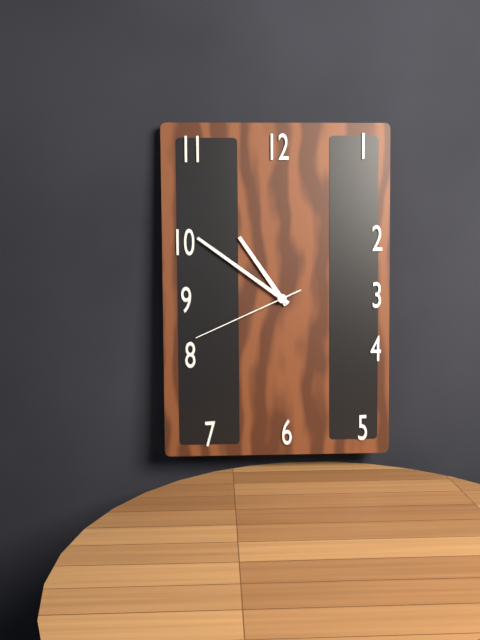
10:51:41
